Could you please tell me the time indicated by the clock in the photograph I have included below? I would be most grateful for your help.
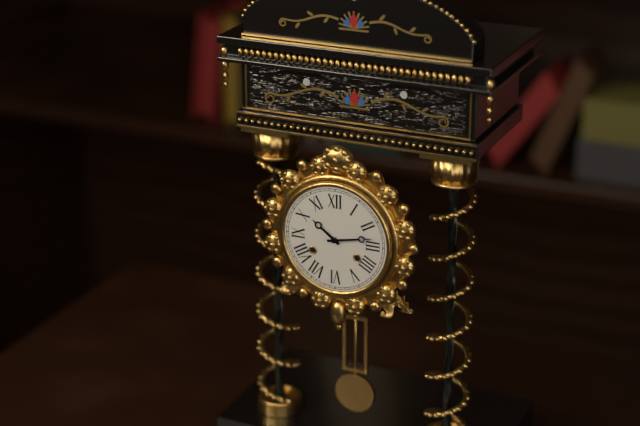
10:13
